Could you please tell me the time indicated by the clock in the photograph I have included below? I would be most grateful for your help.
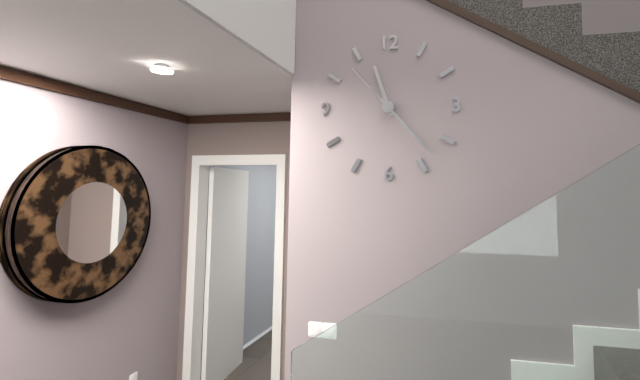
11:23:53
